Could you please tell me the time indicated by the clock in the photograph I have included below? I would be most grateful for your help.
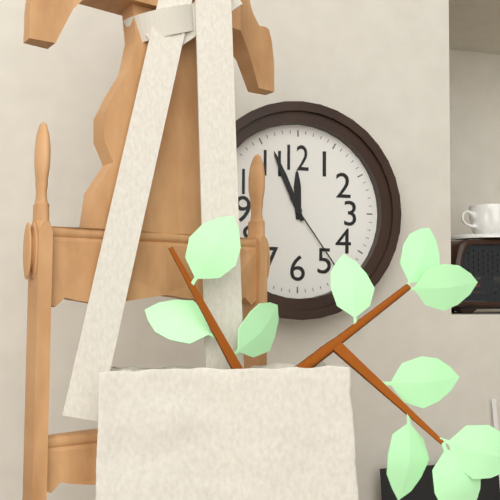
11:56:24
